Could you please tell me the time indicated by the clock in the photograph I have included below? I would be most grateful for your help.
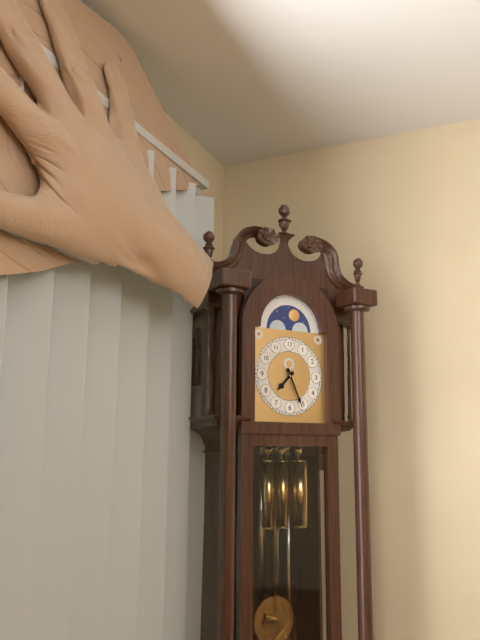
7:26
